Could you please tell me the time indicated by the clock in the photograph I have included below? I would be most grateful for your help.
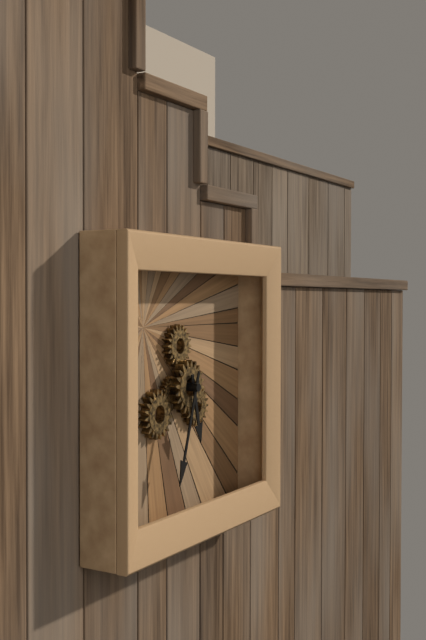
5:33
